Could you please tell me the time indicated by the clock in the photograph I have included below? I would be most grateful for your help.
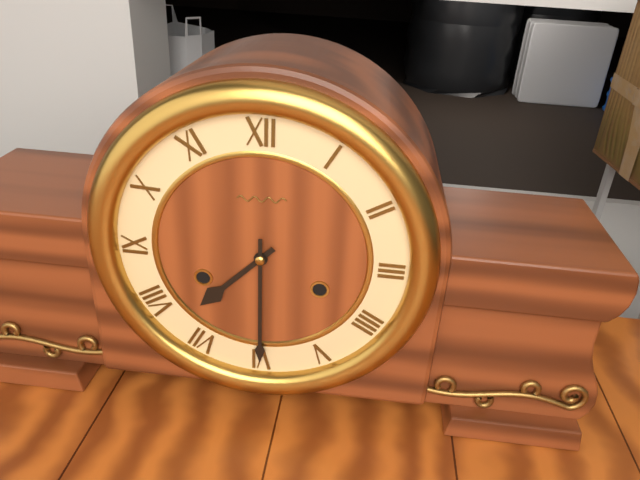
7:30
